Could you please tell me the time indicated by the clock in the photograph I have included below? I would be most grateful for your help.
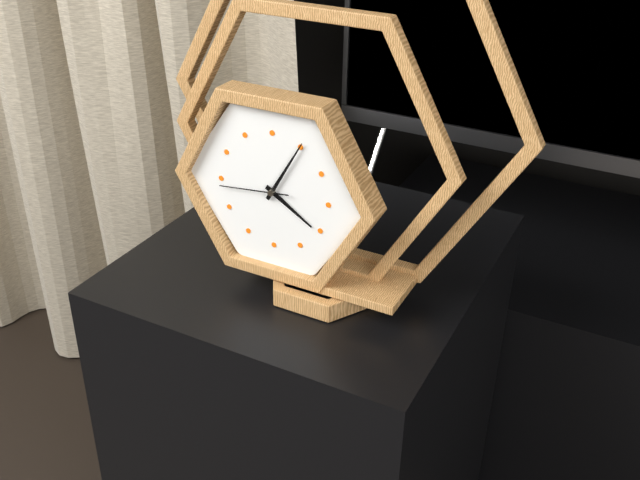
4:05:44
